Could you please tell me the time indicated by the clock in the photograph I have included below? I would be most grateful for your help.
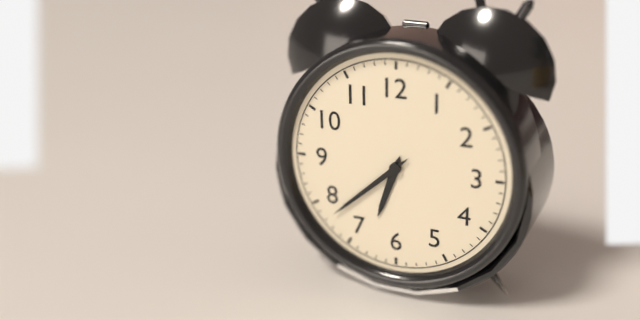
6:38
